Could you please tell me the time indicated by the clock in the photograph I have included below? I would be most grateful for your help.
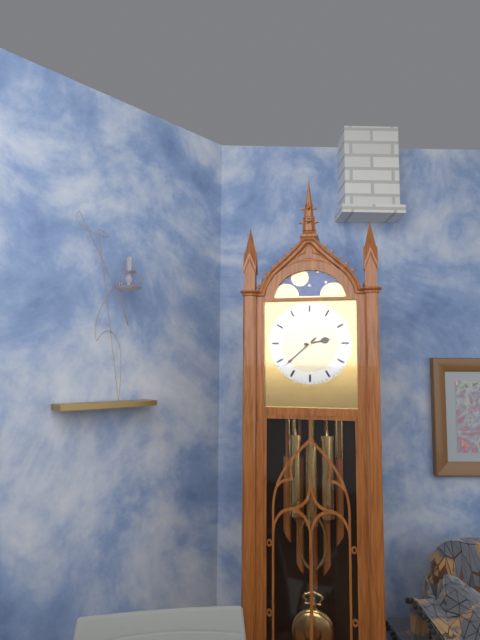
2:38
